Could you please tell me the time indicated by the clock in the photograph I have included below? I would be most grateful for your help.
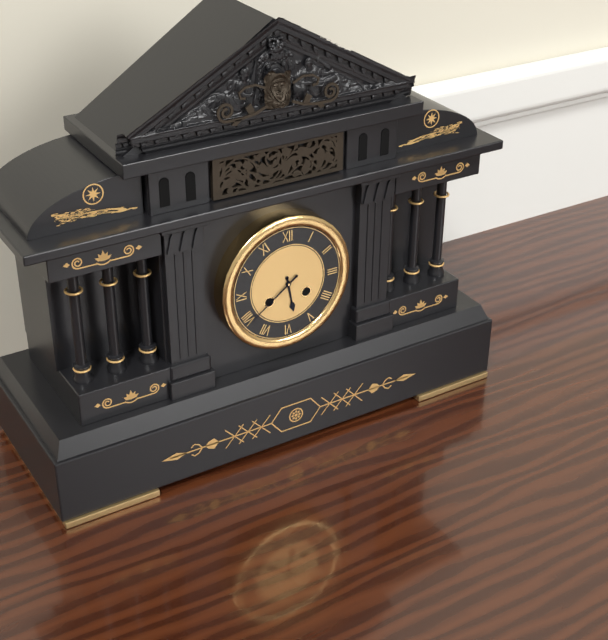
5:39
